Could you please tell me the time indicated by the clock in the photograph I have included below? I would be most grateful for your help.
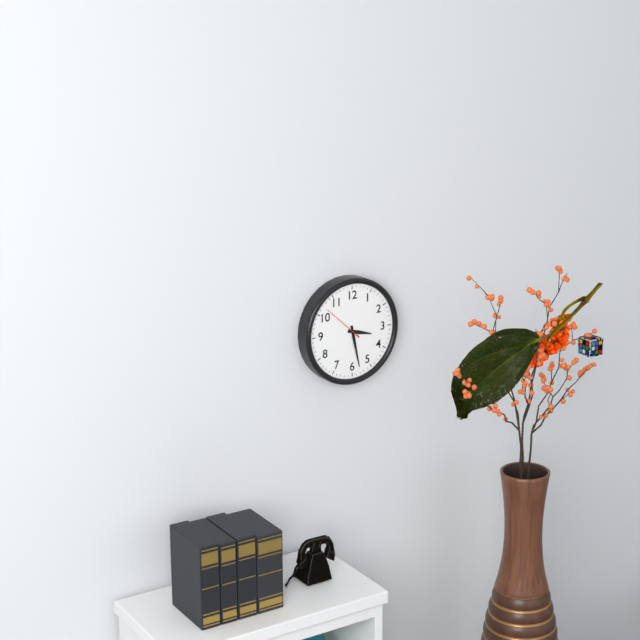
3:28
